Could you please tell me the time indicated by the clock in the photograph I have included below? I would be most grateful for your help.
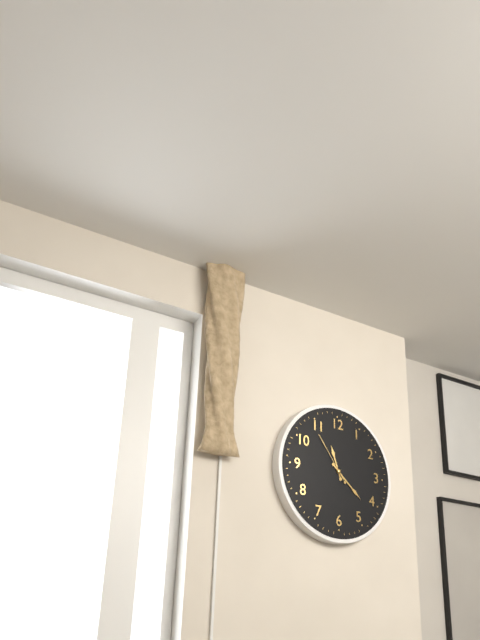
11:22:54
